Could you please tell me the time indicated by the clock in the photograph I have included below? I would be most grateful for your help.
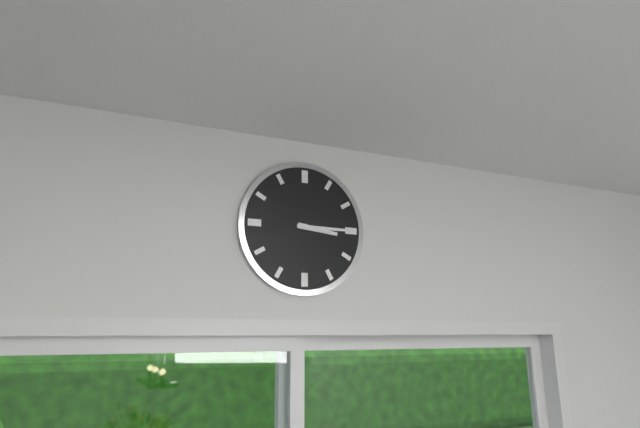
3:15
